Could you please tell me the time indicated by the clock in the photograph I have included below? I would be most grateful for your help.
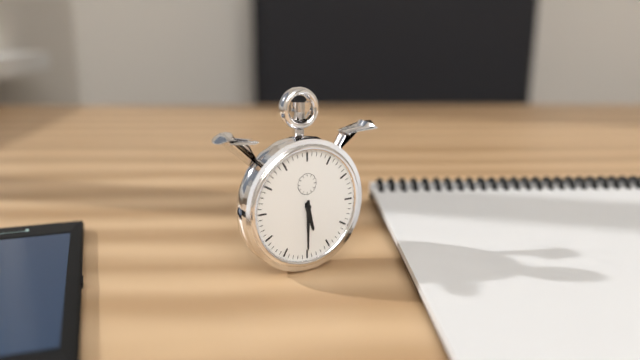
5:30
